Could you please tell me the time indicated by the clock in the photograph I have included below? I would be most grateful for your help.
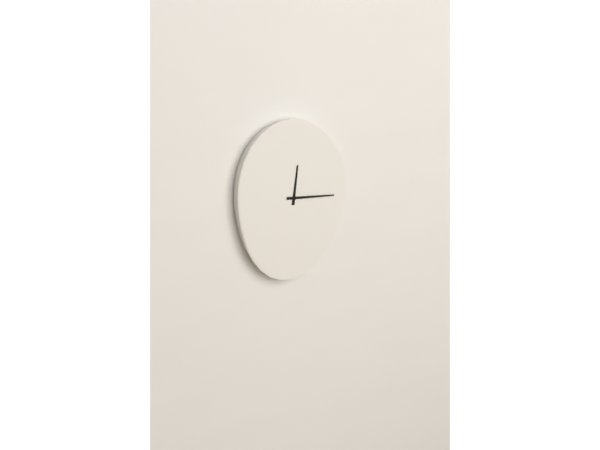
12:16
